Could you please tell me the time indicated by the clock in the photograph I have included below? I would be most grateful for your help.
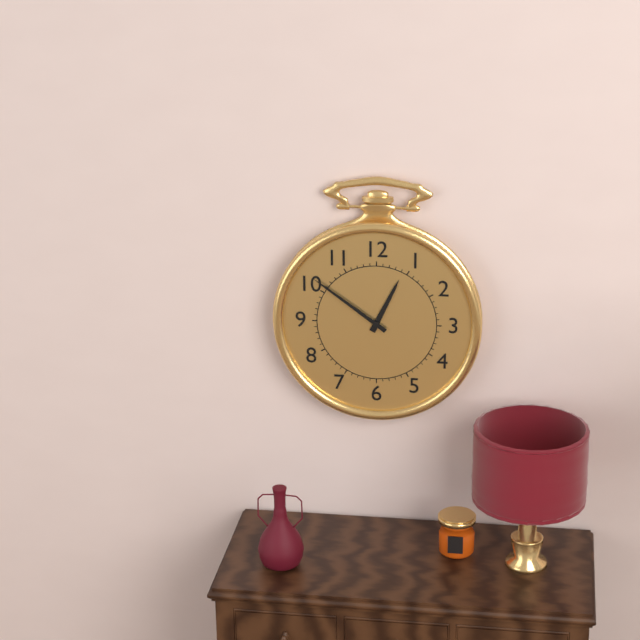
12:51
